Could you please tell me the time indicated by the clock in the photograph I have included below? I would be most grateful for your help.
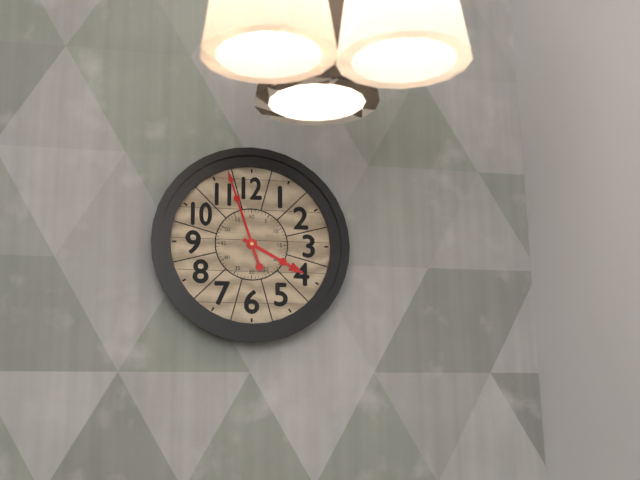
3:57
